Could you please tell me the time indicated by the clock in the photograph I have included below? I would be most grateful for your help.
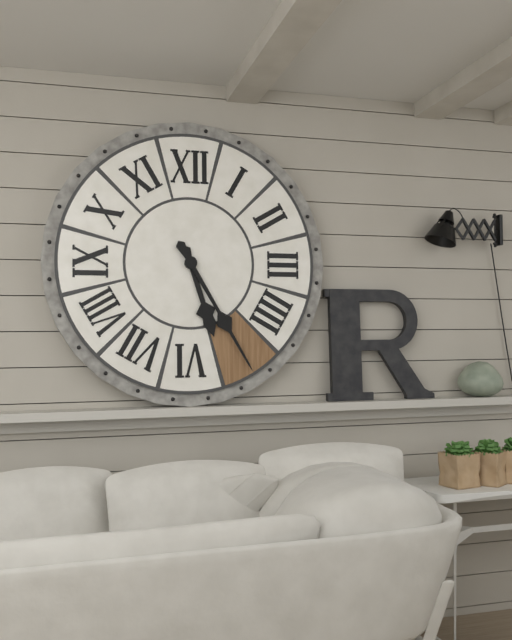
5:25
